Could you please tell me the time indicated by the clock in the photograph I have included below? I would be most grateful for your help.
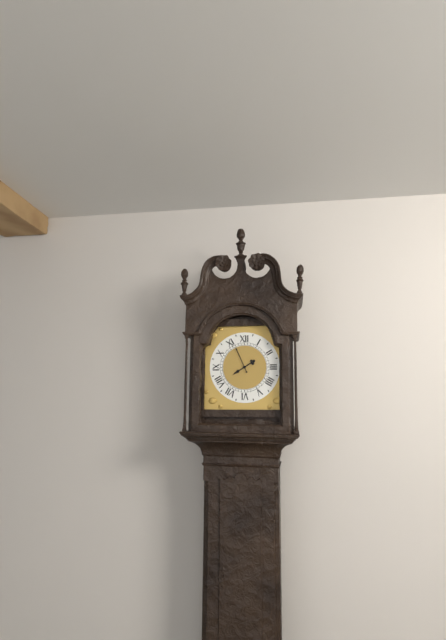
7:56
